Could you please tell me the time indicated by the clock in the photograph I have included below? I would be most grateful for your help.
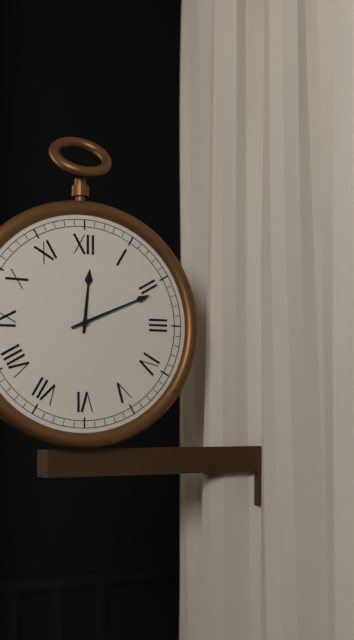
12:11
